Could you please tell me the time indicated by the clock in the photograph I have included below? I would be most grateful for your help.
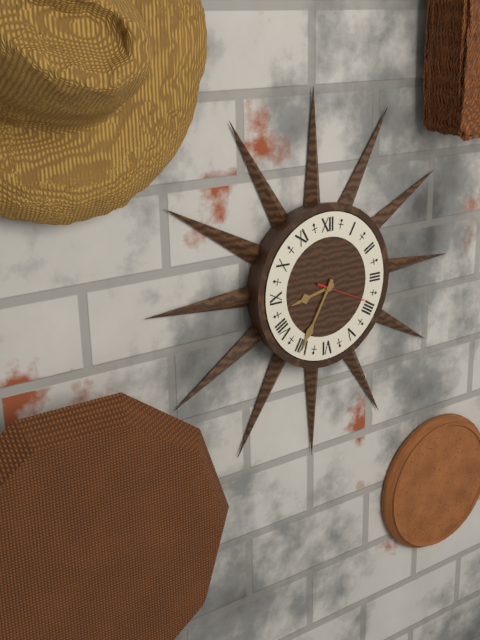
8:35:19
